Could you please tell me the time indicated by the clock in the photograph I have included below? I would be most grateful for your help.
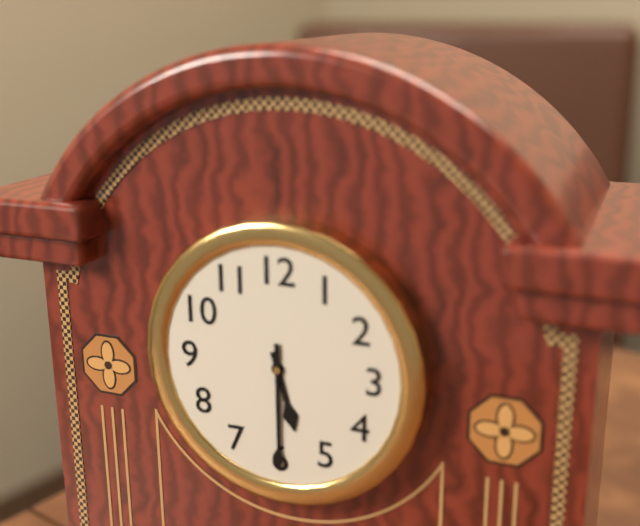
5:30
